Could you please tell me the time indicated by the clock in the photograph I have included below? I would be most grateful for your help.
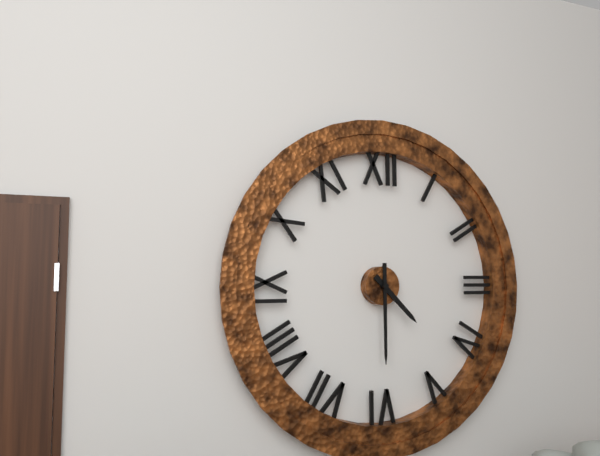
4:30
